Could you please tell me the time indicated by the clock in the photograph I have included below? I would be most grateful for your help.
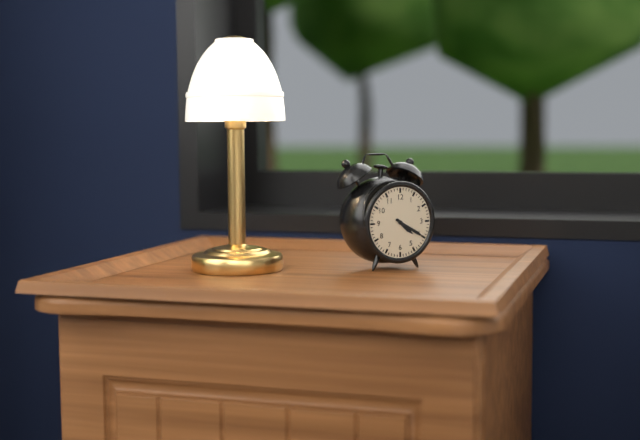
4:20
